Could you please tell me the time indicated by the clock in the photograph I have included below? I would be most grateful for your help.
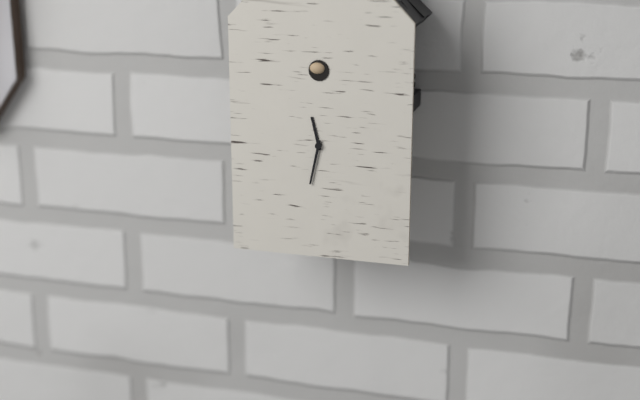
11:32
